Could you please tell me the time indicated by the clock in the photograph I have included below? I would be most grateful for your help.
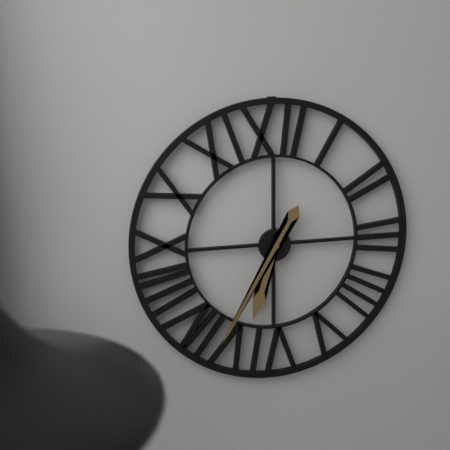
6:35
